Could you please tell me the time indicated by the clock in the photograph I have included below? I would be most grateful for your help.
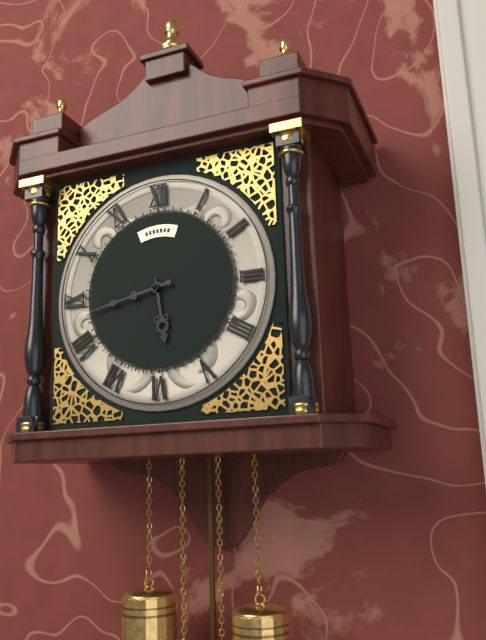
5:43
